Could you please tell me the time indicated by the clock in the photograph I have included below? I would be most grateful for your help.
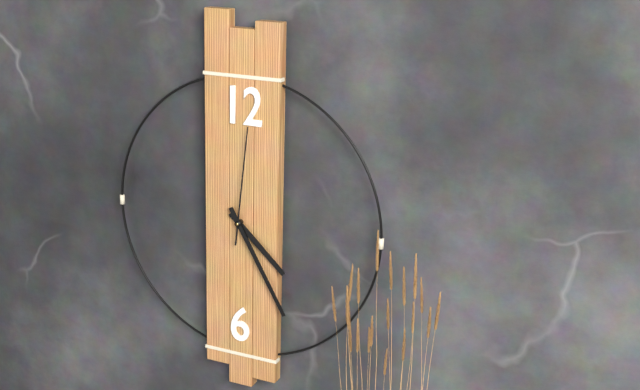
4:25:01
